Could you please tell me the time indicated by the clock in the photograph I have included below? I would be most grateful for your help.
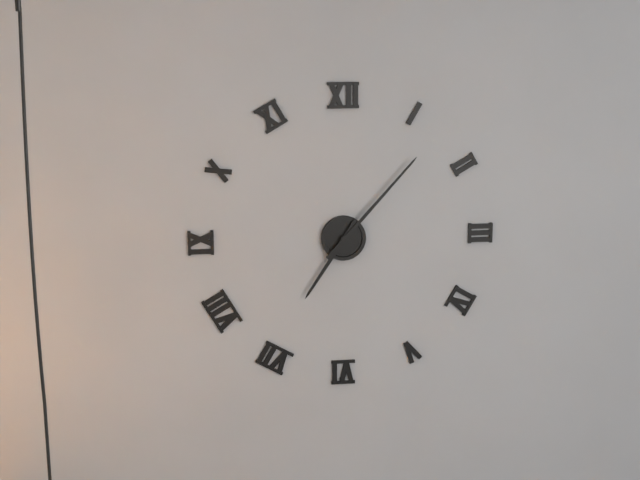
7:07
